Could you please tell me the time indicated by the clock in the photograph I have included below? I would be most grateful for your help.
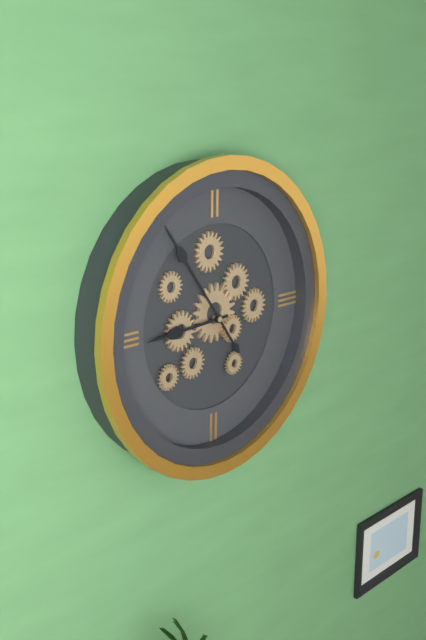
8:54
